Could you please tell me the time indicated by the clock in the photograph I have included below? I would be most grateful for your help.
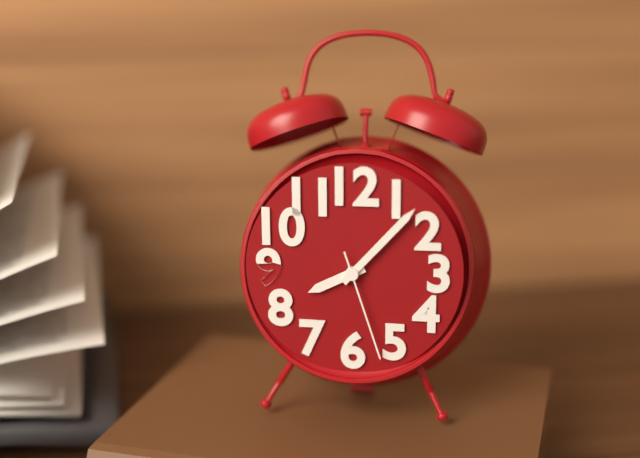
8:07:27
